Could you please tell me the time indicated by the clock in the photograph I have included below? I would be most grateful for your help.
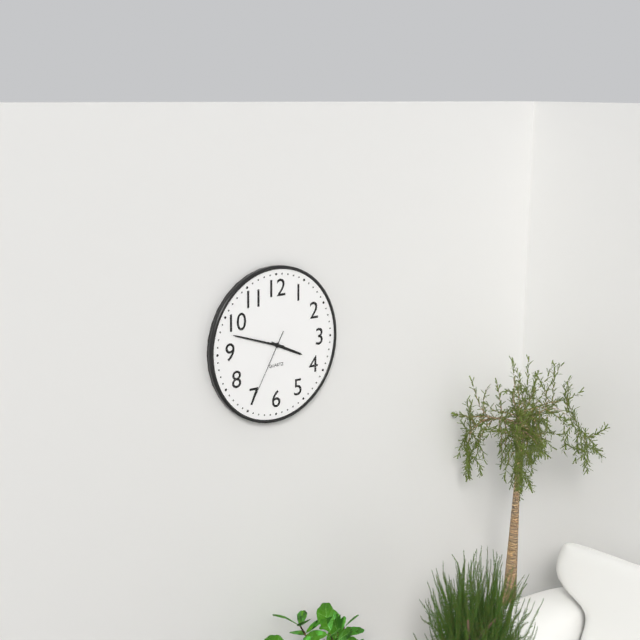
3:48:35
